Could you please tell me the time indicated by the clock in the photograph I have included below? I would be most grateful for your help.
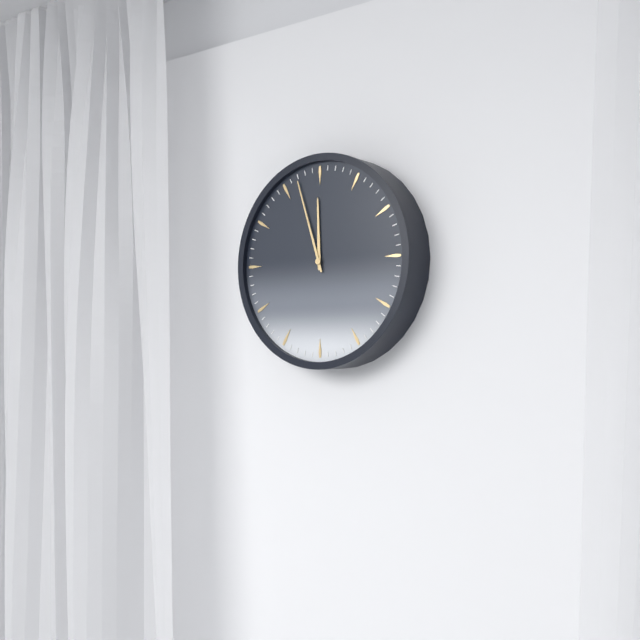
11:57
